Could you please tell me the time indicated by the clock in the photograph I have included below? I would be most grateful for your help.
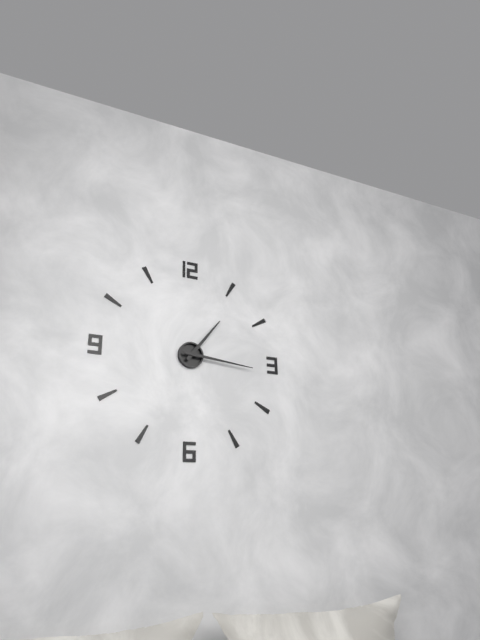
1:16
